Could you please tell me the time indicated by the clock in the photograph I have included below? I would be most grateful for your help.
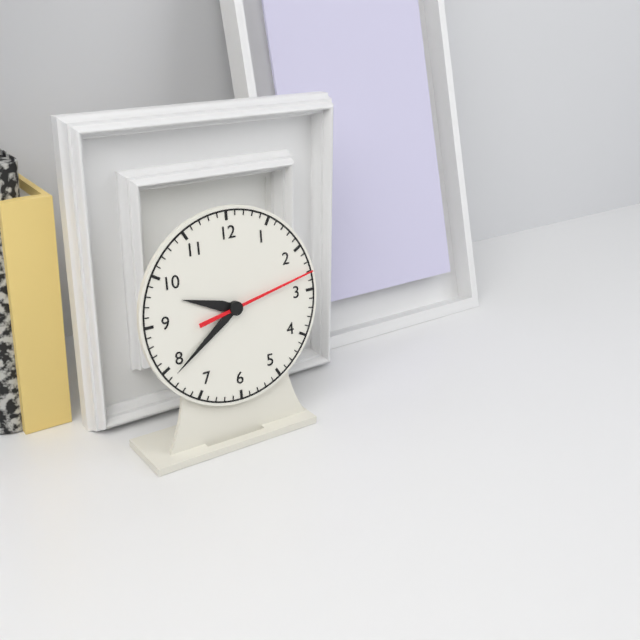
9:39:13
